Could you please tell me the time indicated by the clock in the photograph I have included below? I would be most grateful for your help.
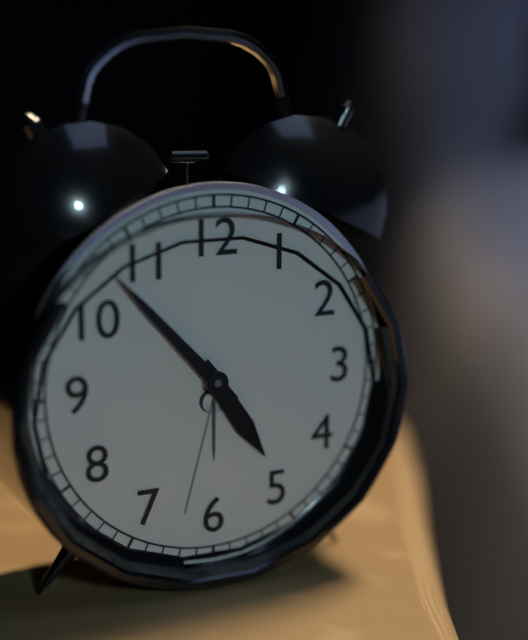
4:53
